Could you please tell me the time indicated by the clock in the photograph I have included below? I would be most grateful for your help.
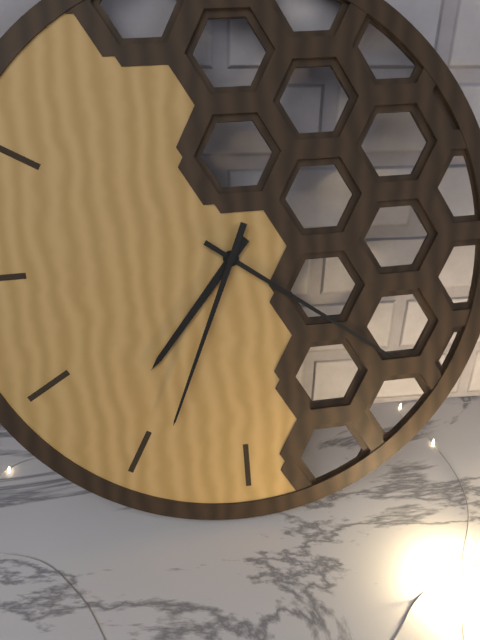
7:21:34
